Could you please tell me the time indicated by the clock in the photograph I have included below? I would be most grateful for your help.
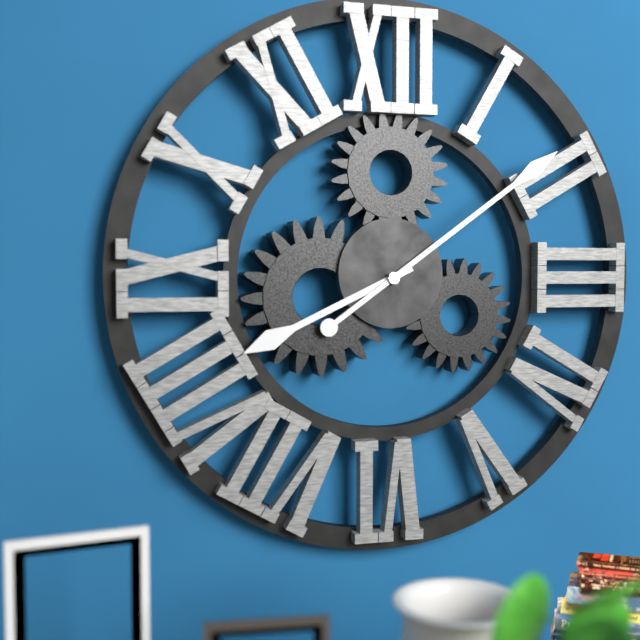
8:09
